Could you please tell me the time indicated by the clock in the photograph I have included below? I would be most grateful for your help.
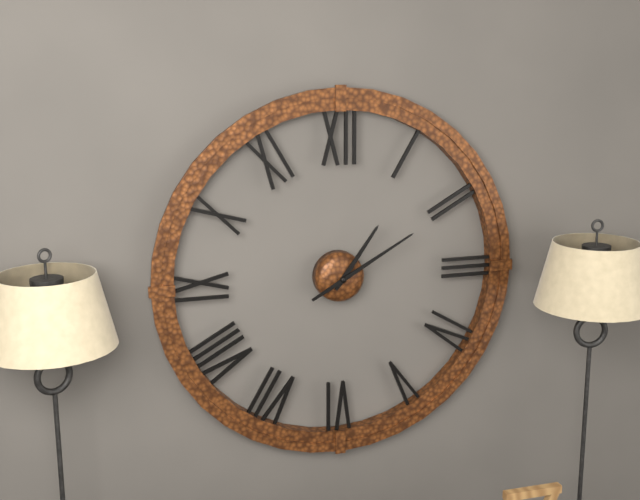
1:10
